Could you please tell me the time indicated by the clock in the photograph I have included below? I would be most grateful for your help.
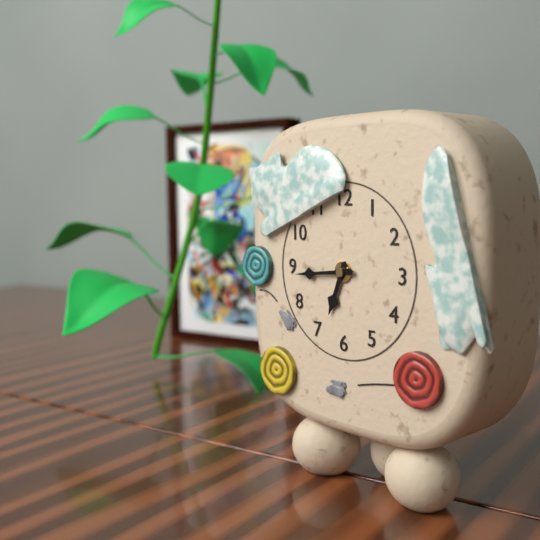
6:44
